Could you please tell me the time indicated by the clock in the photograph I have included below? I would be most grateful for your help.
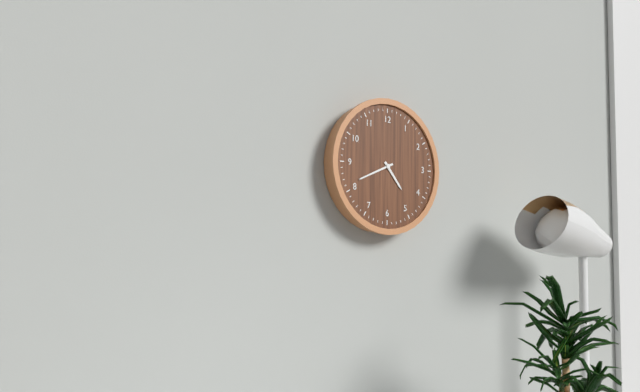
4:41
